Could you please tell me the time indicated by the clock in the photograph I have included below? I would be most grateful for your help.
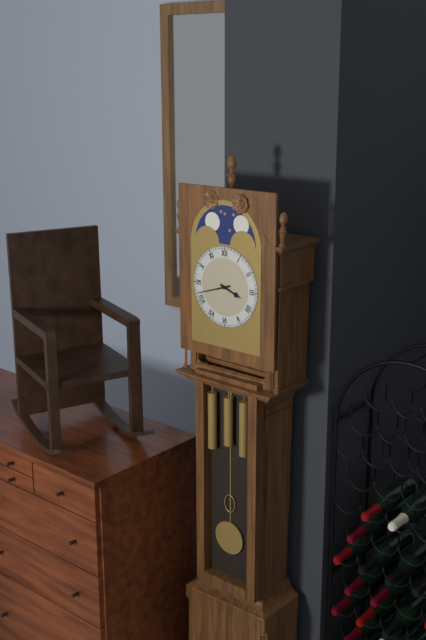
3:42
